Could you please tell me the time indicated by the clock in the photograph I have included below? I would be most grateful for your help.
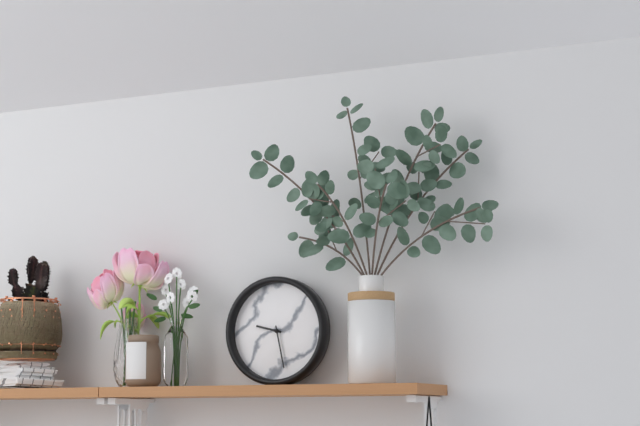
9:28
